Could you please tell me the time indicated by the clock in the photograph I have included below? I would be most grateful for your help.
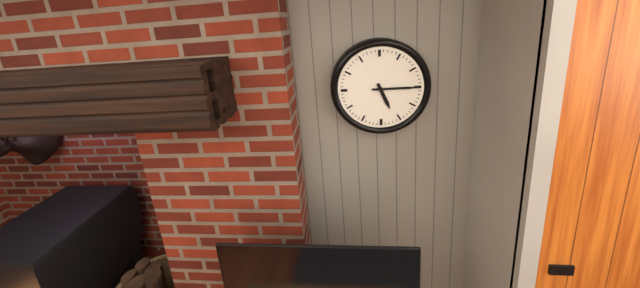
5:15
